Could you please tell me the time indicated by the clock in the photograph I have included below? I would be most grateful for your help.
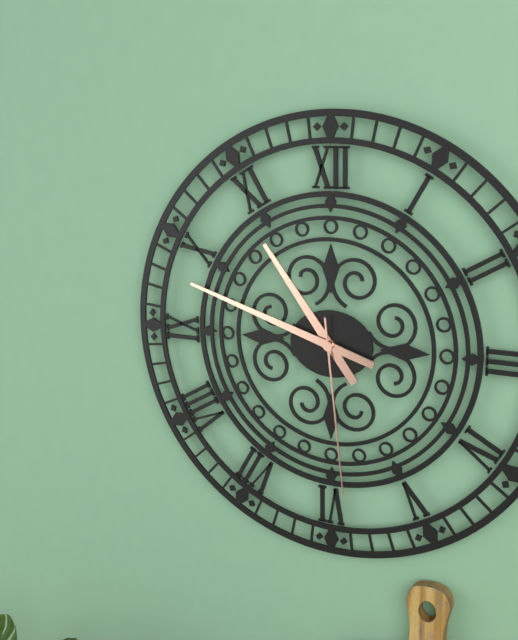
10:48:29
